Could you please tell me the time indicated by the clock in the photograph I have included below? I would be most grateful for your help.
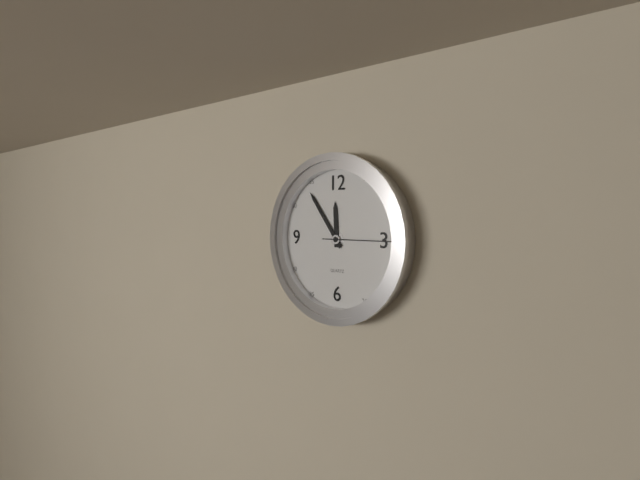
11:54:15
